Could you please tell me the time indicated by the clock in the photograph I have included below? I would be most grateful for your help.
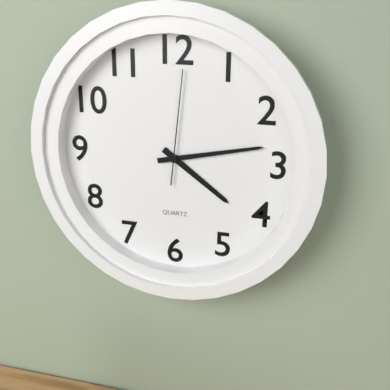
4:13:01
